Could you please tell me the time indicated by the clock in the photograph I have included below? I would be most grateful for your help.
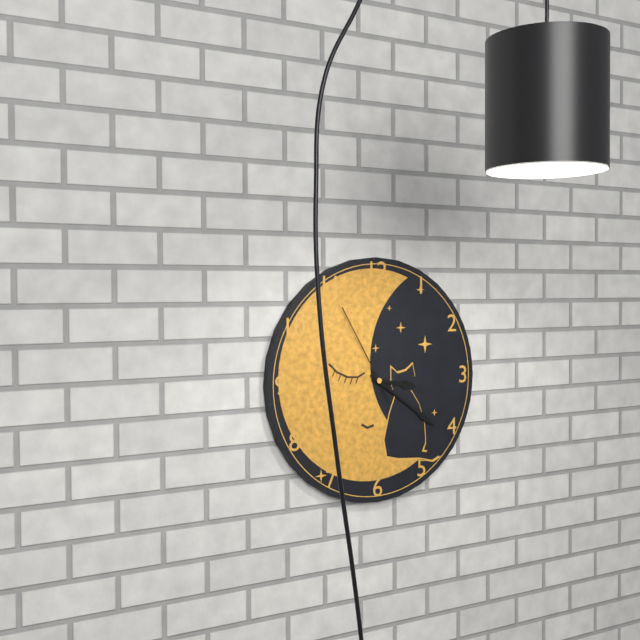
3:21:55
